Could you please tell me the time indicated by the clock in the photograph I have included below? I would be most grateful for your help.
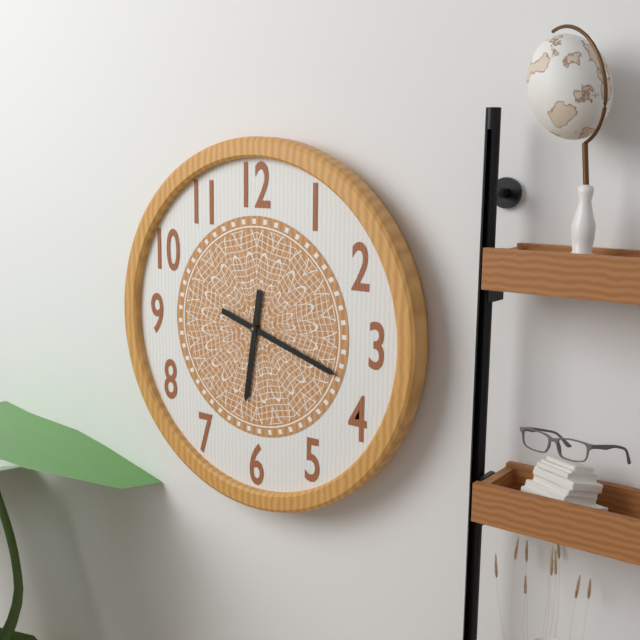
6:18
